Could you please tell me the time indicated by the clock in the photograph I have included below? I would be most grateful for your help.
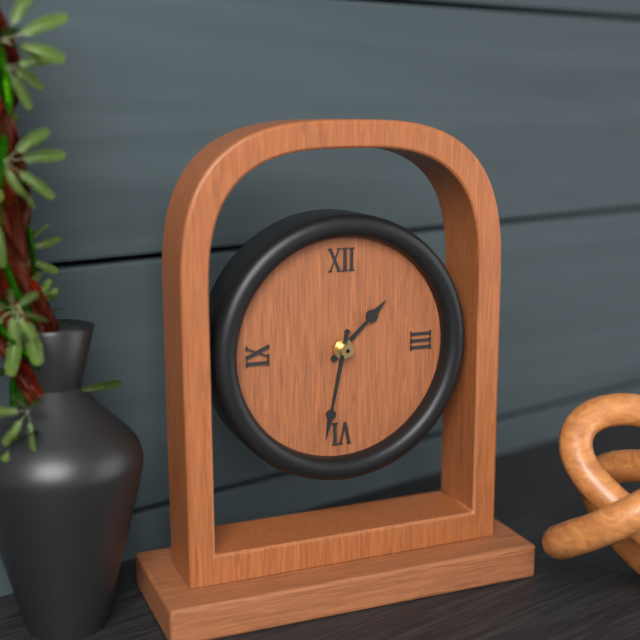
1:32
